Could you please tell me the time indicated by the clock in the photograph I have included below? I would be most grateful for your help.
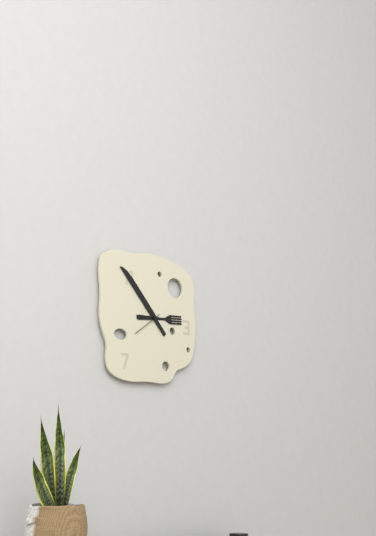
2:53
